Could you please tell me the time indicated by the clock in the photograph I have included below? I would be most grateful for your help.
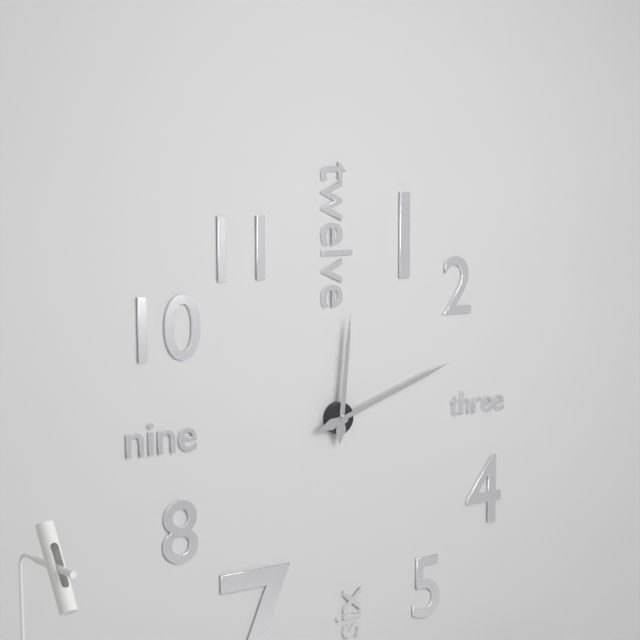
12:12
